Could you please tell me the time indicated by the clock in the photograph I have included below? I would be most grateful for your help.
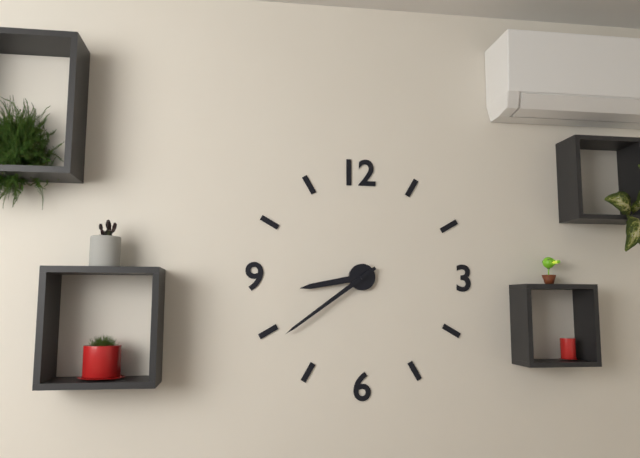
8:39
